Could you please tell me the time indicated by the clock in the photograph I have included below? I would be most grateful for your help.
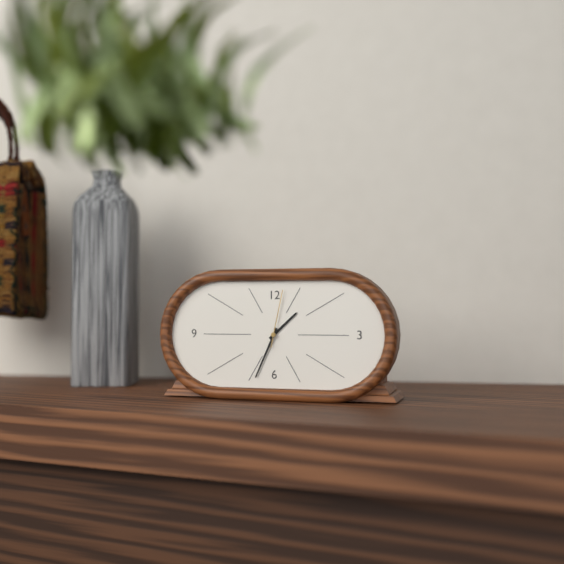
1:34:02
